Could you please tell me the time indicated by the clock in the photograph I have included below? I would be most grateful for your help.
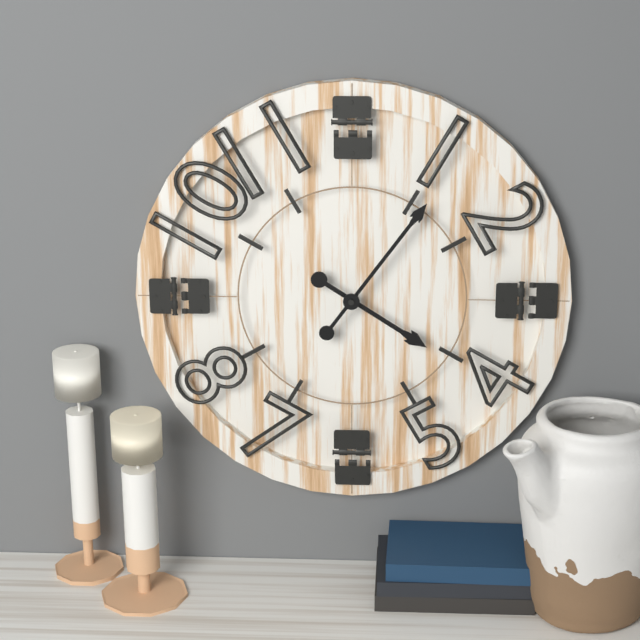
4:06
